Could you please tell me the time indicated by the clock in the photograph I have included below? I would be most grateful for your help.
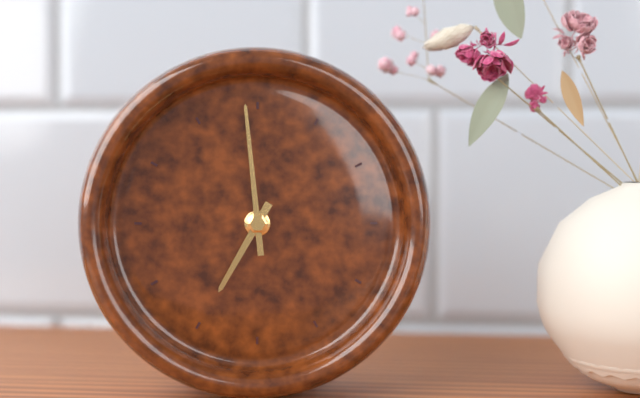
6:59
